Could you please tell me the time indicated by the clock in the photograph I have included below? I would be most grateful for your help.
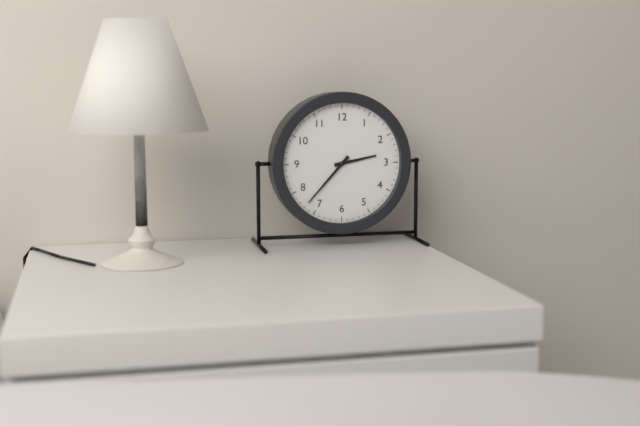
2:37
